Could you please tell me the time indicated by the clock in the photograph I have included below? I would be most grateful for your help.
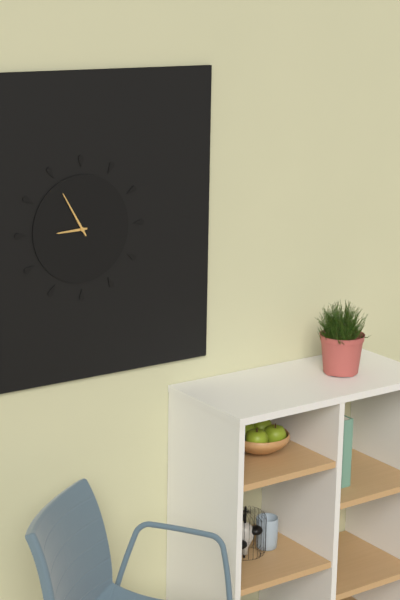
8:55
